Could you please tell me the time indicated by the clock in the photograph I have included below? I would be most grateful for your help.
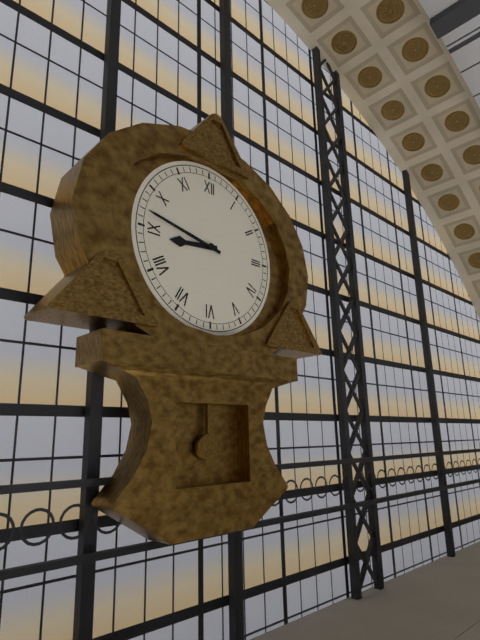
8:47
